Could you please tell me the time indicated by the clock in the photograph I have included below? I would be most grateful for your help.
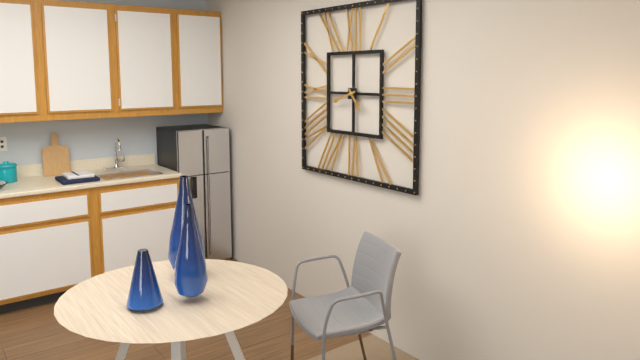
4:42
